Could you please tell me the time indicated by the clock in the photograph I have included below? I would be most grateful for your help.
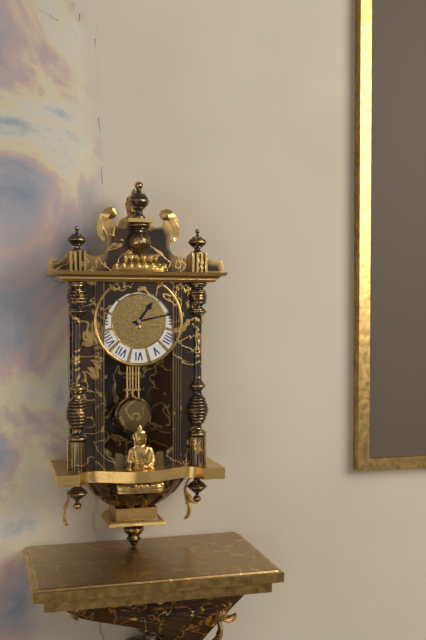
1:13
